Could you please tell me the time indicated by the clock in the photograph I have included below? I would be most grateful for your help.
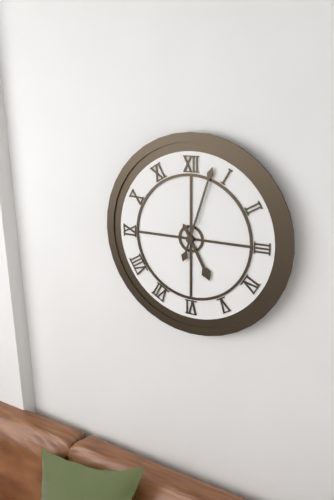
5:03
